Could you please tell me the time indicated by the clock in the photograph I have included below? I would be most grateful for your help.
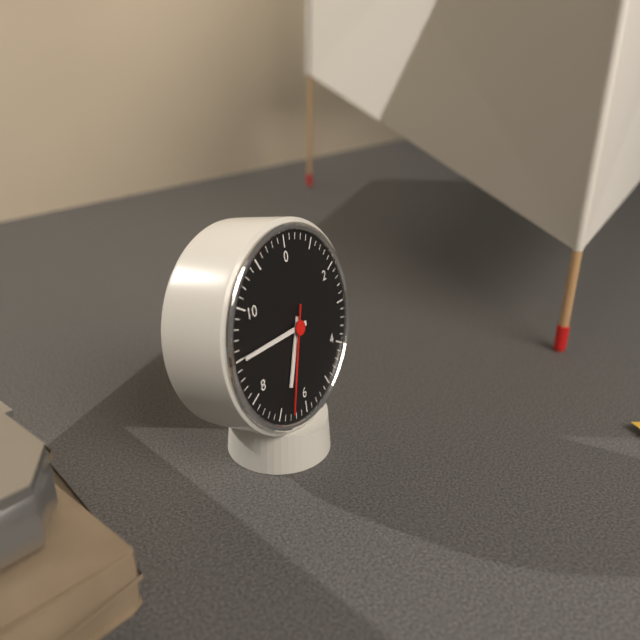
6:45:33
